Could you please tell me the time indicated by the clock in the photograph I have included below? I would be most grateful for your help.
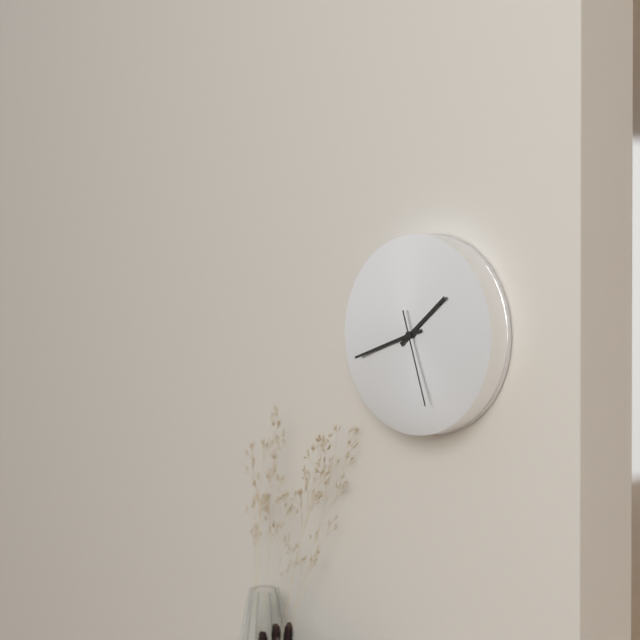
1:42:27
